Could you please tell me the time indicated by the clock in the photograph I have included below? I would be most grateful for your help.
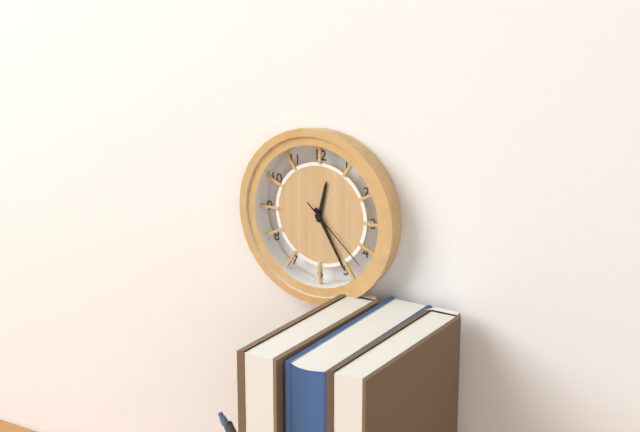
12:25:22
